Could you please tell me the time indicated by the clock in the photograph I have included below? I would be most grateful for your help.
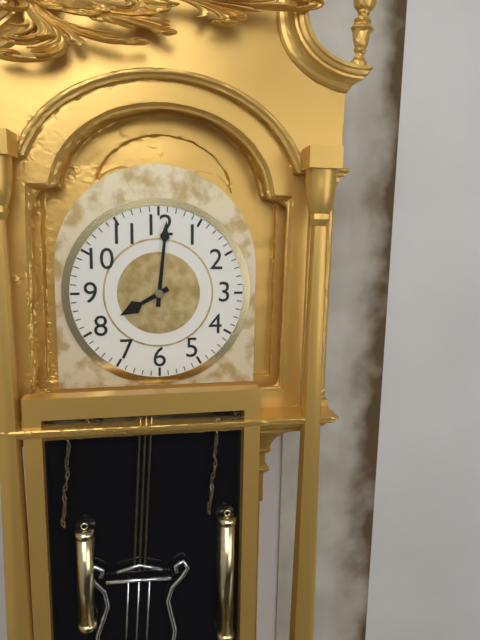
8:01
